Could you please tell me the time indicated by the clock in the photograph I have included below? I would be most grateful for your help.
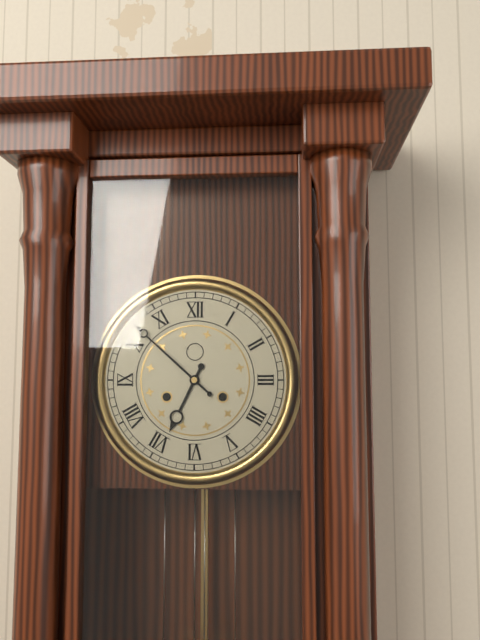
6:52
